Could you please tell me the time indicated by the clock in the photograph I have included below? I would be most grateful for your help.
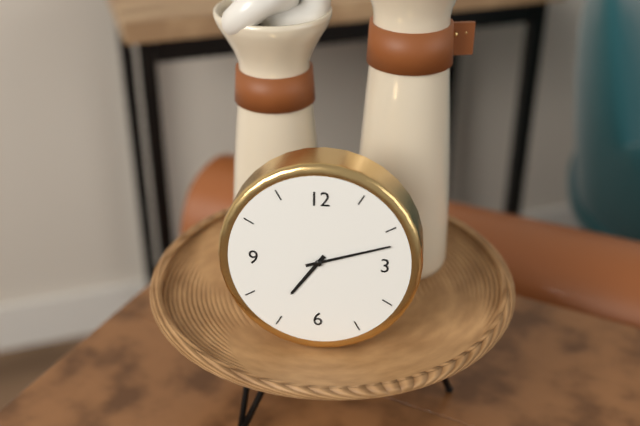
7:12
